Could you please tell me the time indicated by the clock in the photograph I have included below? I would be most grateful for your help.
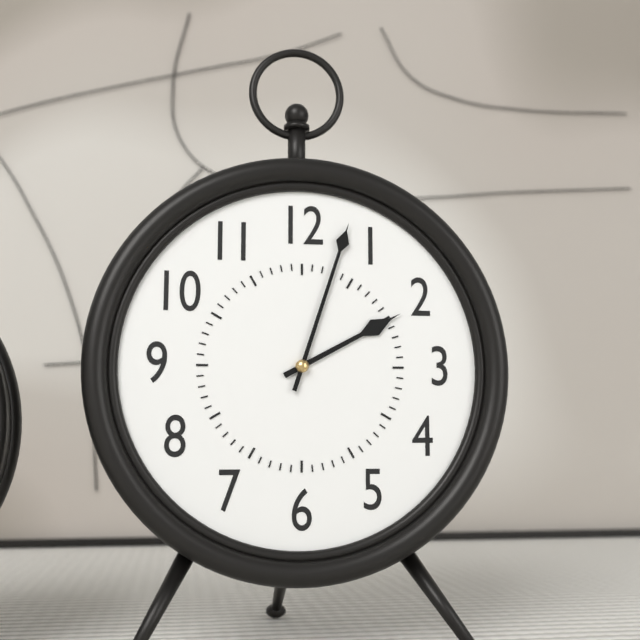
2:03
